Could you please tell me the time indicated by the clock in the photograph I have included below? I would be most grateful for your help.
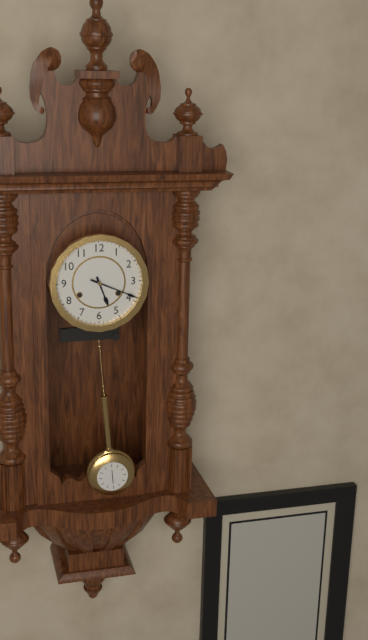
5:19
